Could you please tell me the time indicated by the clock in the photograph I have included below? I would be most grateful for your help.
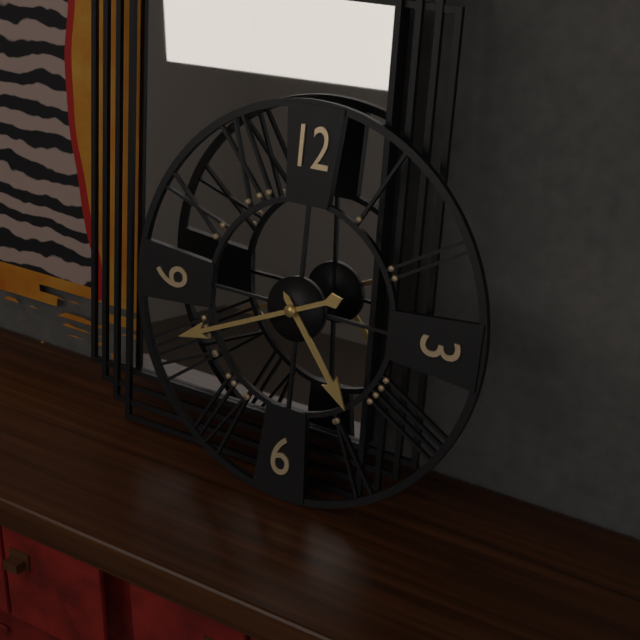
4:41
